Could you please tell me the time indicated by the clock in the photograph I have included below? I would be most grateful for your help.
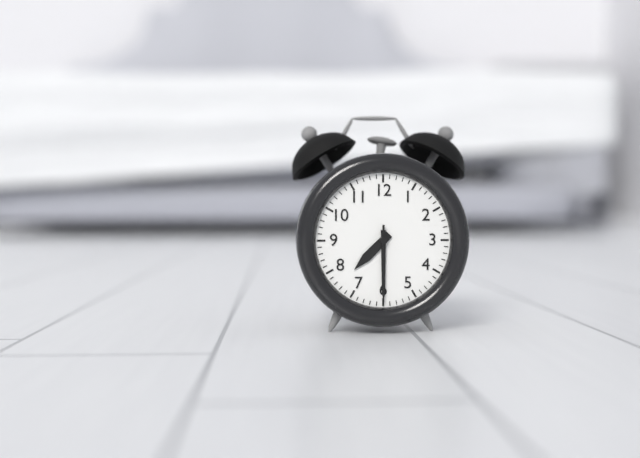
7:30:30
